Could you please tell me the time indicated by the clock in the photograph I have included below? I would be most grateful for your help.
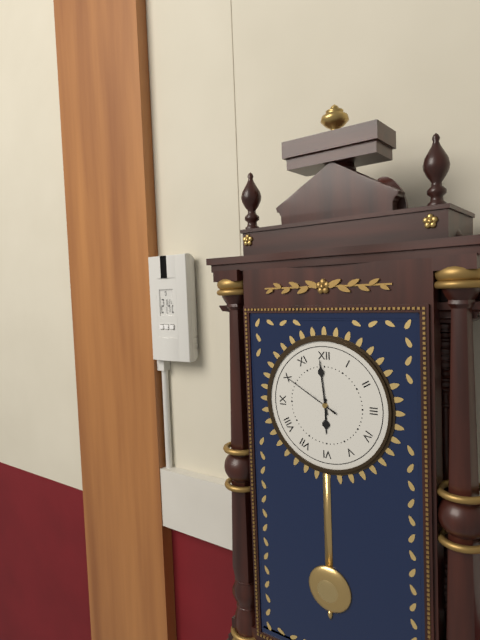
5:59:50
